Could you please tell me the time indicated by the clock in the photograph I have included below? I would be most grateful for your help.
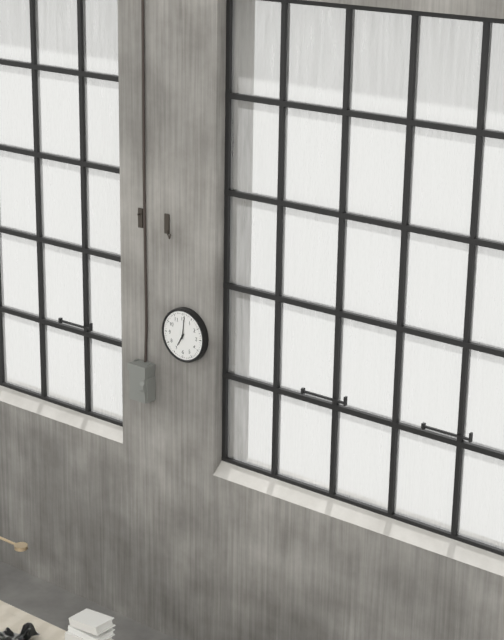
7:01
